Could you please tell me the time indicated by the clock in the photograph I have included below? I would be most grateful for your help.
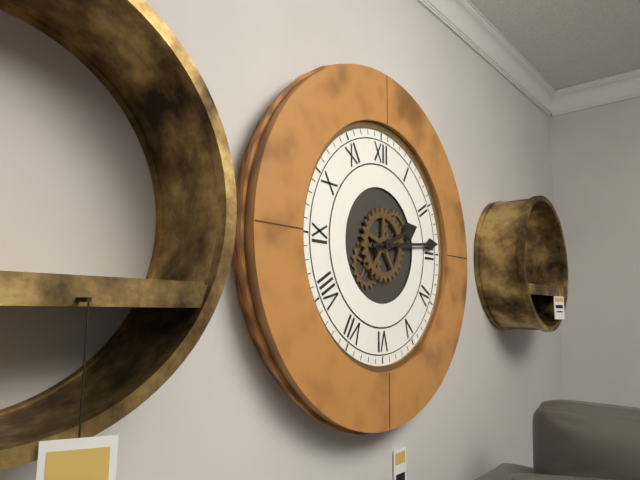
2:14
